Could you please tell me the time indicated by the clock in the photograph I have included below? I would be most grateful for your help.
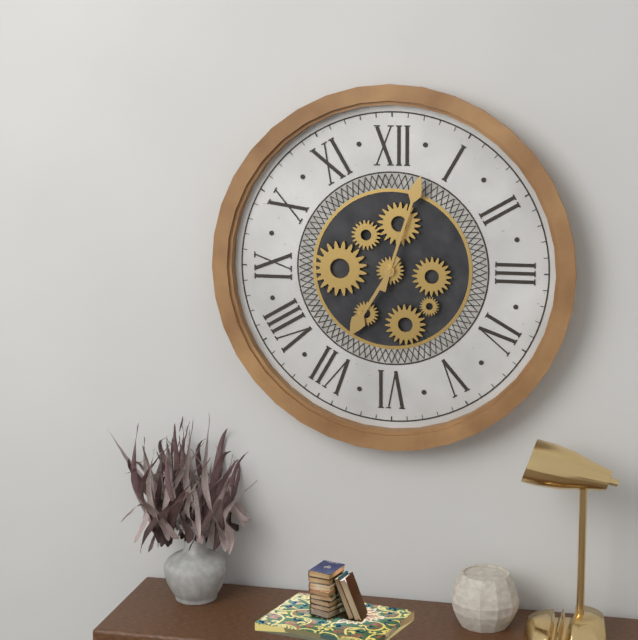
7:03
